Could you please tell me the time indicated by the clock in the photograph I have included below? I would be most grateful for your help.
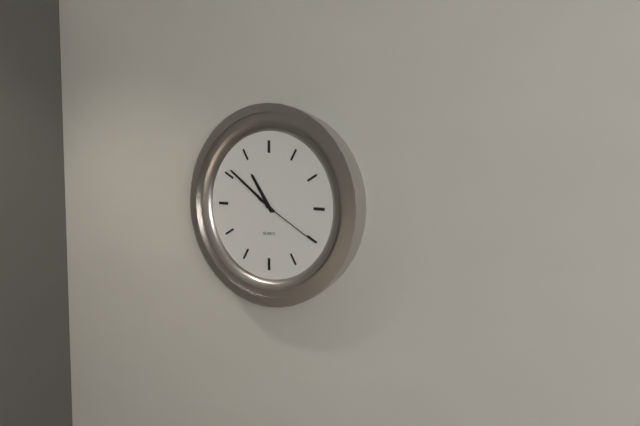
10:51:20
